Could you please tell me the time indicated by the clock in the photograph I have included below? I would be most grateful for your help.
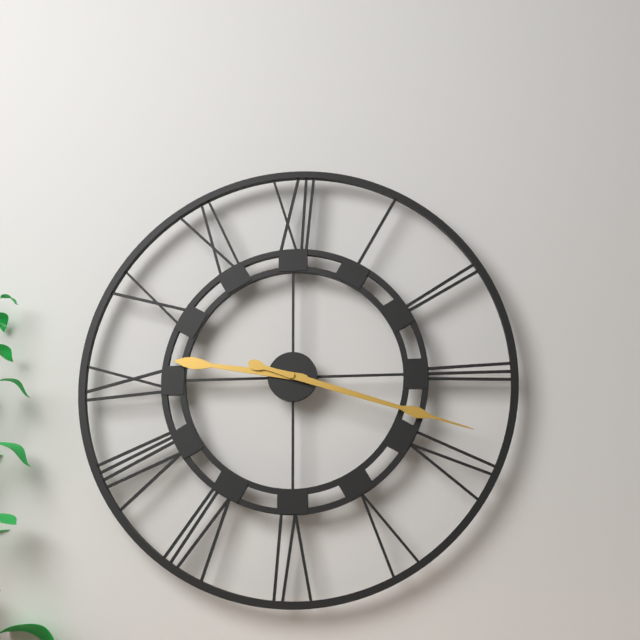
9:18
